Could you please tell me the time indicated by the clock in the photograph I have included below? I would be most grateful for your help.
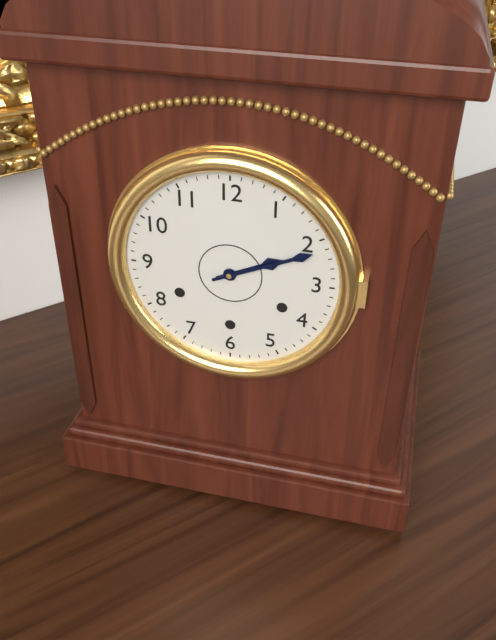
2:11
